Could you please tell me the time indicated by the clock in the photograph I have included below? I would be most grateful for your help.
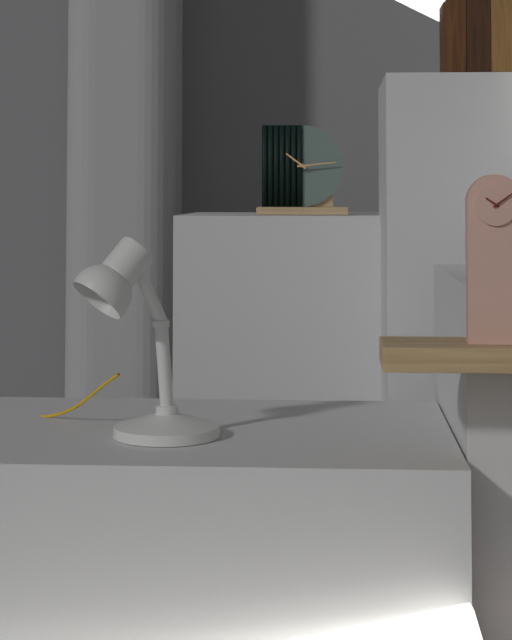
10:14
